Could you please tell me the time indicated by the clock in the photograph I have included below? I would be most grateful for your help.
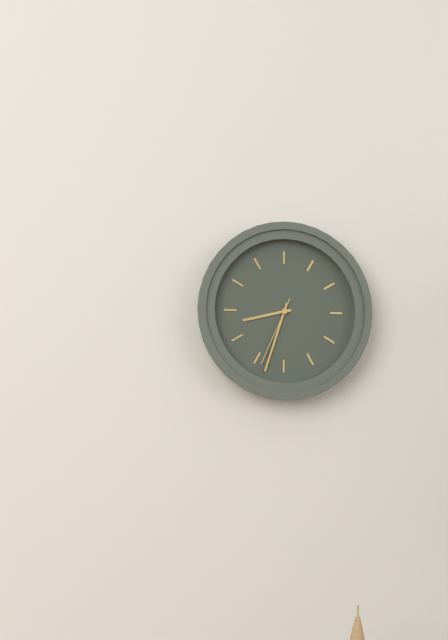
8:33:34
